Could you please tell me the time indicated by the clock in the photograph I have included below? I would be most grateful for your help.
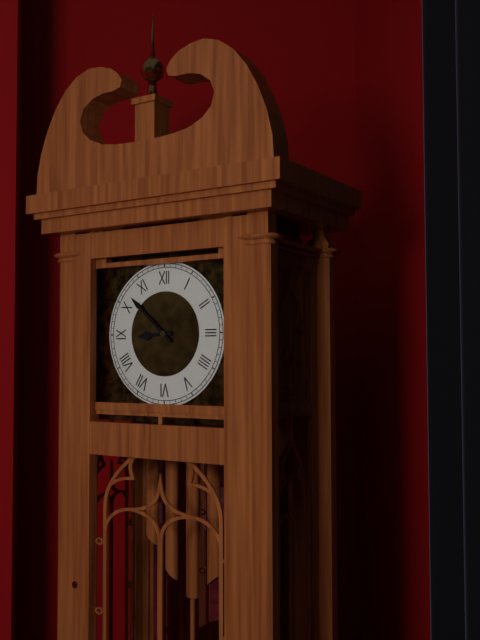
8:52
